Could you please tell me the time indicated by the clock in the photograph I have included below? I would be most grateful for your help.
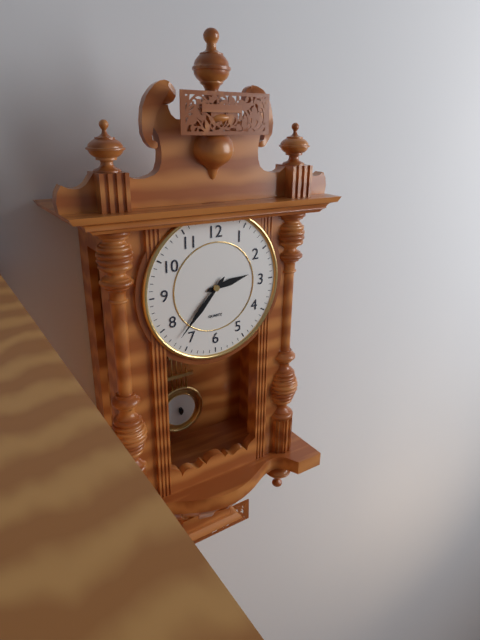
2:37
